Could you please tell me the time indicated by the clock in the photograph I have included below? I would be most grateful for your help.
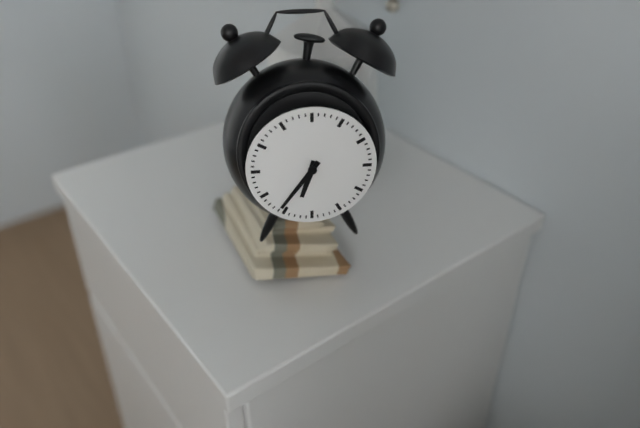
6:36
